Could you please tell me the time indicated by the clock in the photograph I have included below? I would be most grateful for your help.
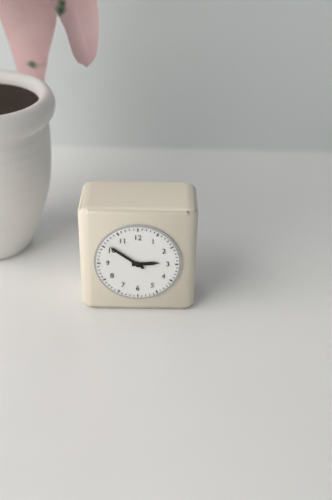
2:51
